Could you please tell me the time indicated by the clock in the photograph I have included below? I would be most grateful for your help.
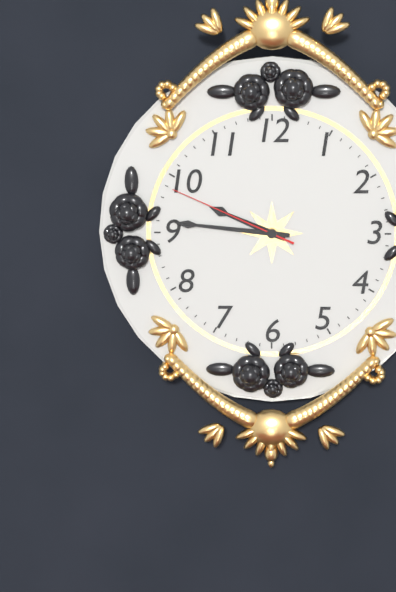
9:46:49
